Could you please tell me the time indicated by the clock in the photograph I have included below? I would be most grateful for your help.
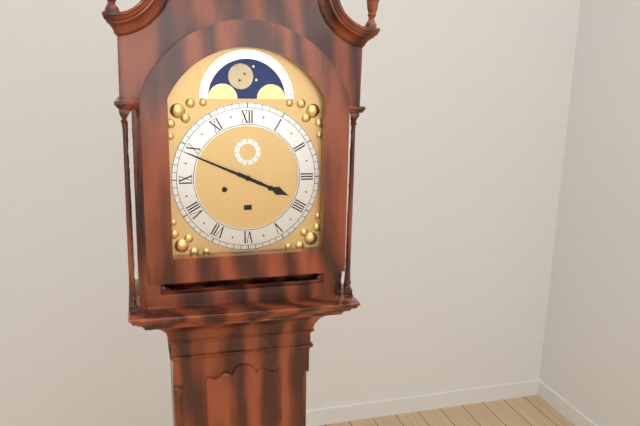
3:49
